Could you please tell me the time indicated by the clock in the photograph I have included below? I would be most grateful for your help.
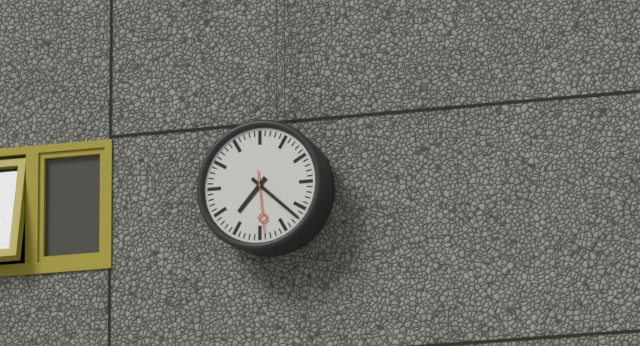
7:22:29
